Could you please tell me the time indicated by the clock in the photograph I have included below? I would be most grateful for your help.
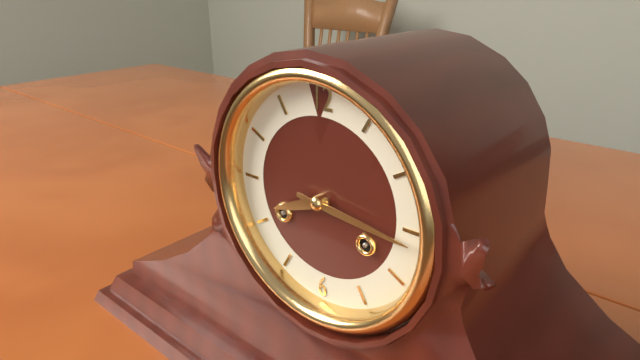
8:16
